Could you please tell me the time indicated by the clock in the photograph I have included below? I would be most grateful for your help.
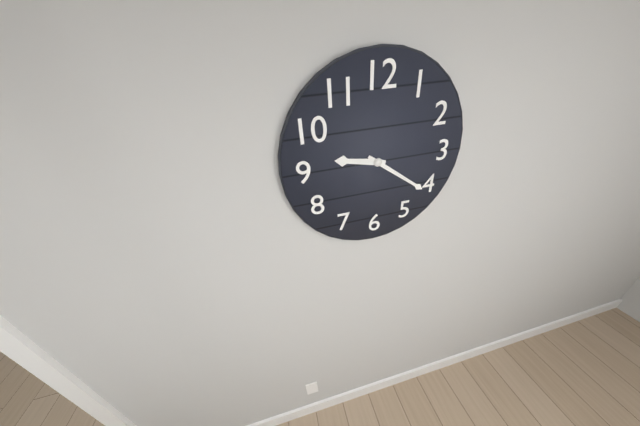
9:21
